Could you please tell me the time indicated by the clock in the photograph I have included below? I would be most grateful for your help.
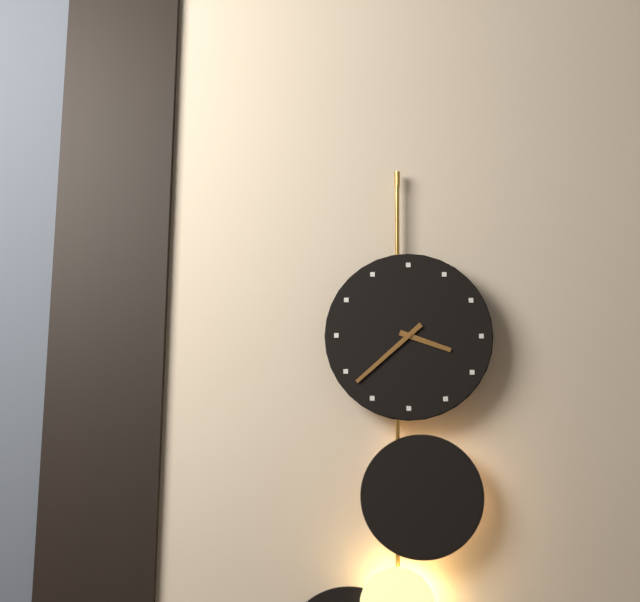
3:38
